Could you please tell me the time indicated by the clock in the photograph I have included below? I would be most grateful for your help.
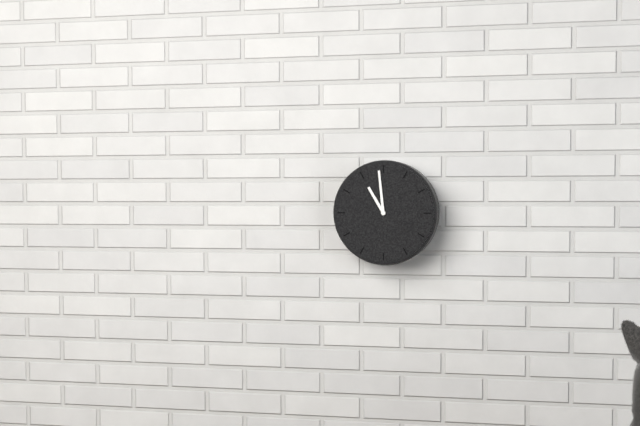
10:59
